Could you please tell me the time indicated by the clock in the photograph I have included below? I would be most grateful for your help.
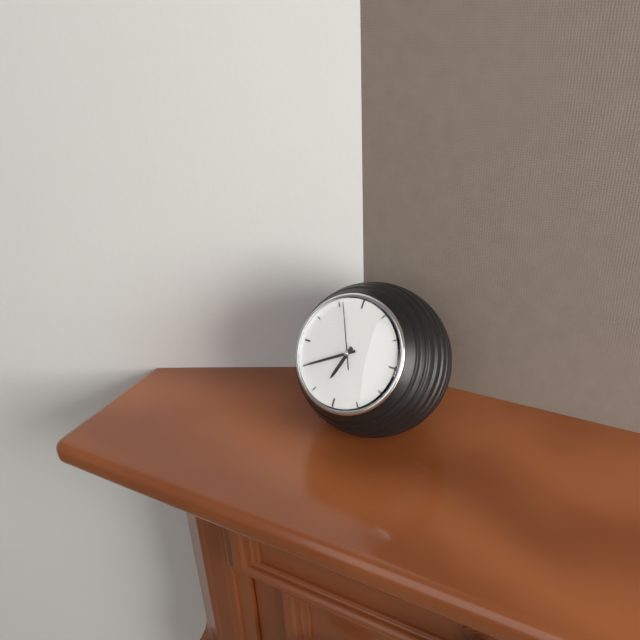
6:40:56
